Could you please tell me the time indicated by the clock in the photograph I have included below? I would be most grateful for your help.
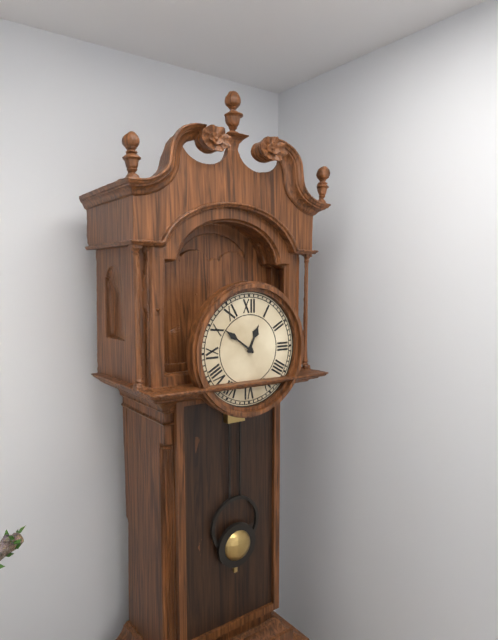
12:51
